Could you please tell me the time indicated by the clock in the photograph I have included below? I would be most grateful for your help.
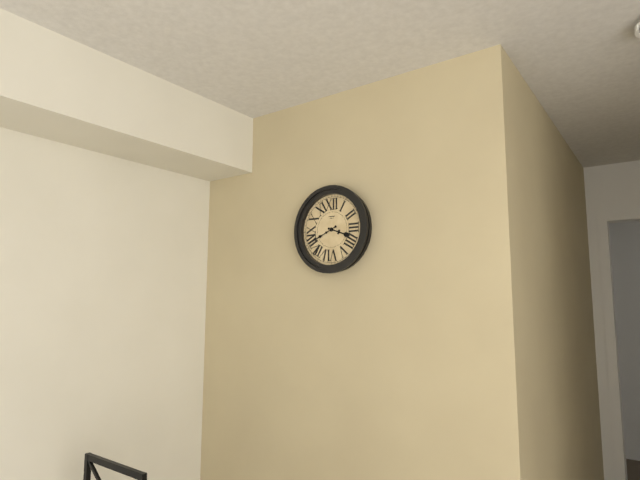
3:41
